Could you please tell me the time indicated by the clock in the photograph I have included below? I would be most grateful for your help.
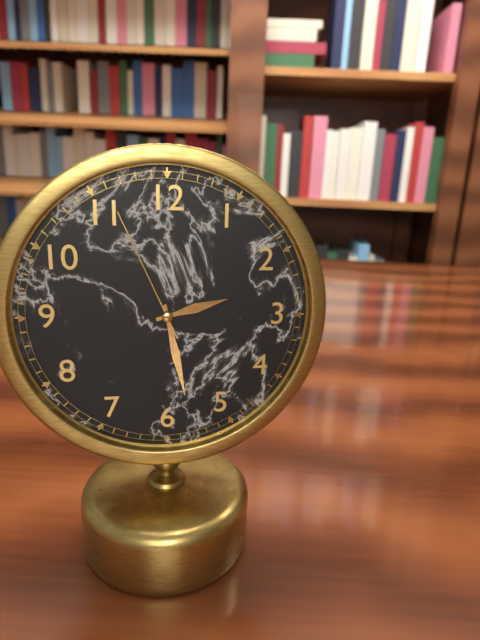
2:28:56
